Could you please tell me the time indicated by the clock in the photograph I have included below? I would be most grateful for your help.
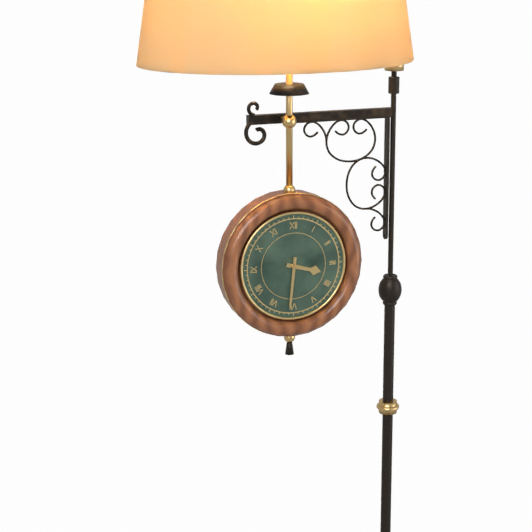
3:31
